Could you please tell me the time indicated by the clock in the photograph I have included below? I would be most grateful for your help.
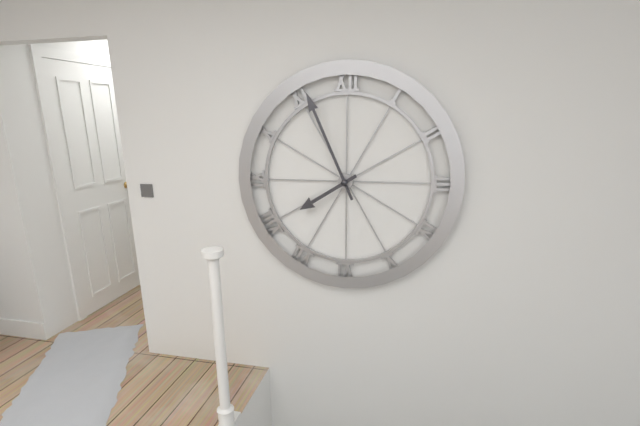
7:56
